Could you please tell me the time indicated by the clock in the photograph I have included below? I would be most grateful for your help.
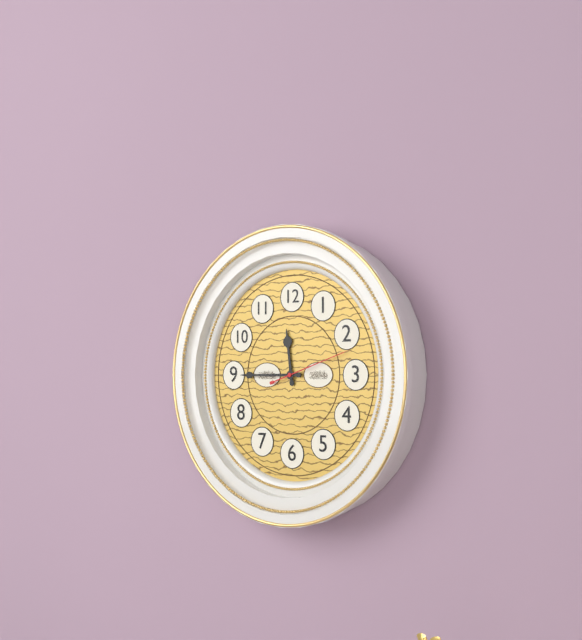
11:45:12
